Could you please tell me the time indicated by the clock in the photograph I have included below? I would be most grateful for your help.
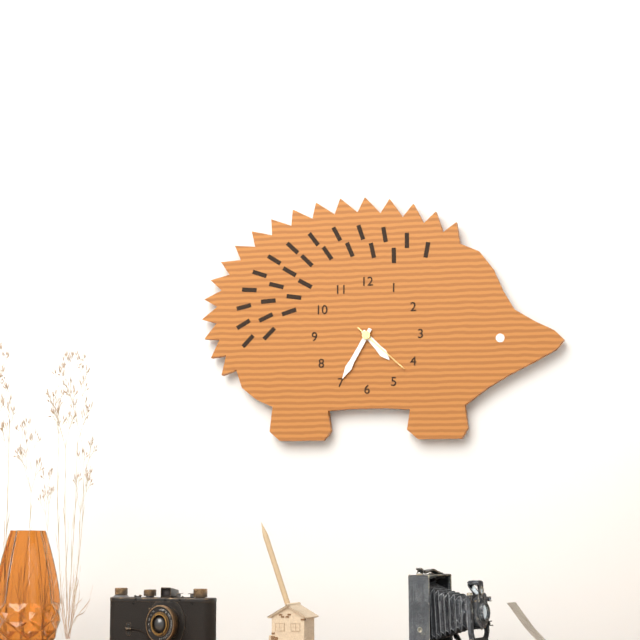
4:35:22
